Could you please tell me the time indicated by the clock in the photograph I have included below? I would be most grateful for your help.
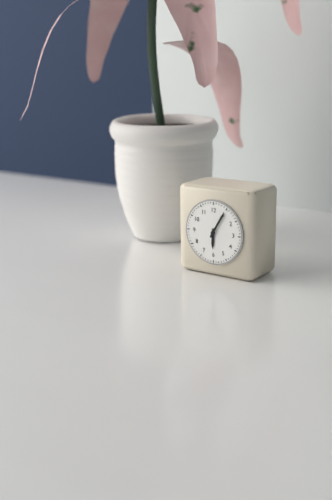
6:05
